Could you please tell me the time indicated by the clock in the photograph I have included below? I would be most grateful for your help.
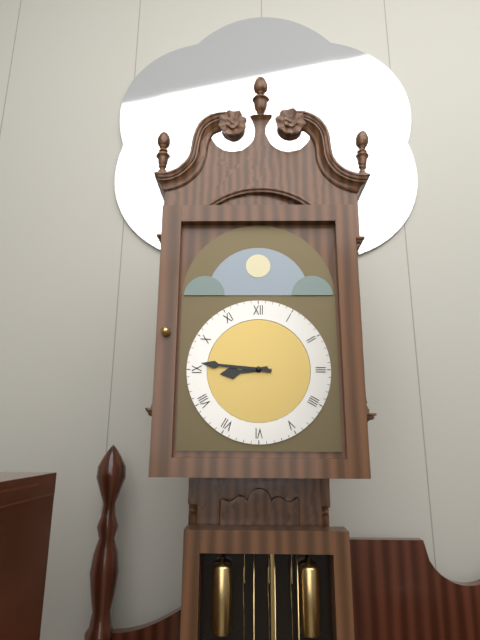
8:46
